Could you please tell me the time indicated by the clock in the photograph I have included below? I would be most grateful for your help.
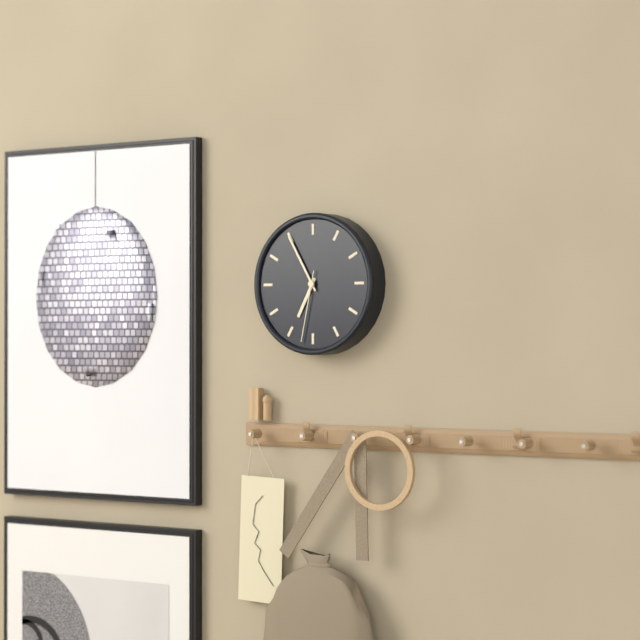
6:55:32
